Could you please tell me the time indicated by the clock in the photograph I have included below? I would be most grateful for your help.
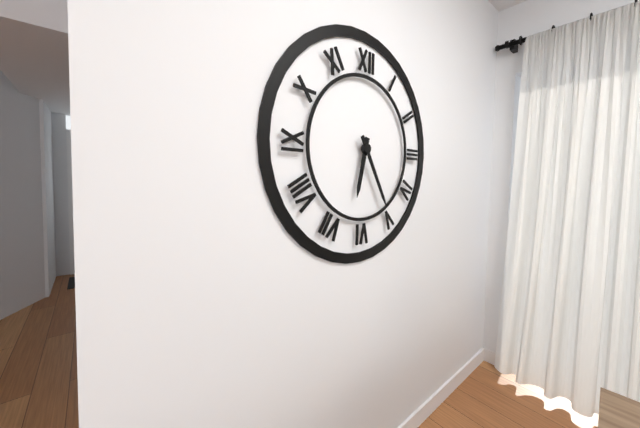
6:25
